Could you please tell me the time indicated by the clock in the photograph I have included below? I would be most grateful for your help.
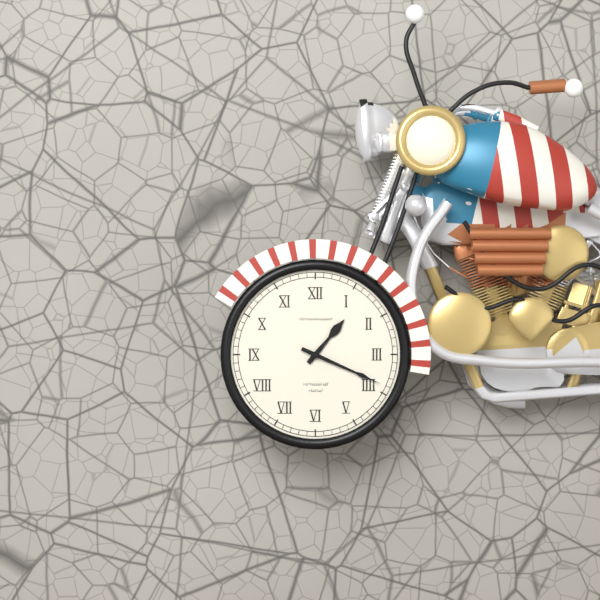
1:19
